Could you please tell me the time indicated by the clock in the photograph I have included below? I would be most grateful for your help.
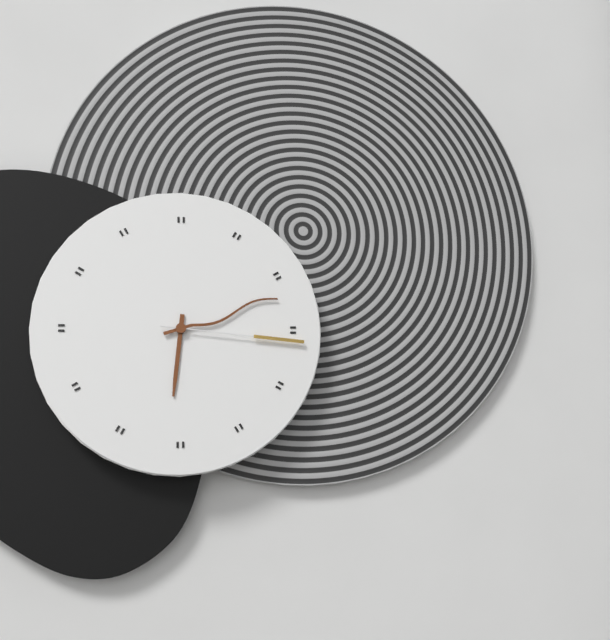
6:12:16
